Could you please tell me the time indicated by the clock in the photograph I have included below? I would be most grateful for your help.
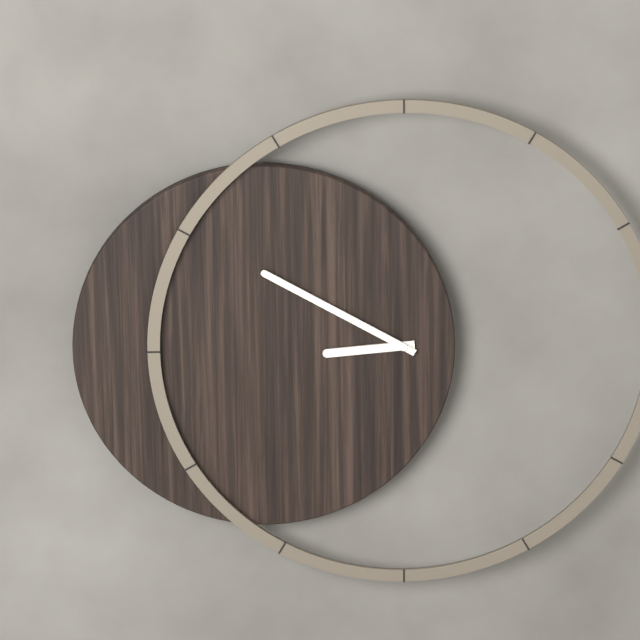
8:50
